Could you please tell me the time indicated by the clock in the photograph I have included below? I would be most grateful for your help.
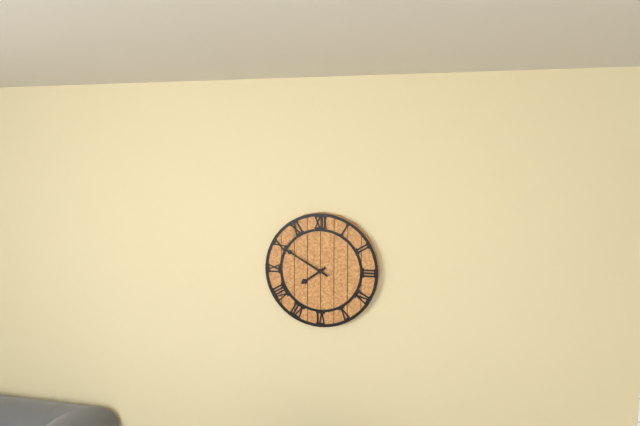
7:50
